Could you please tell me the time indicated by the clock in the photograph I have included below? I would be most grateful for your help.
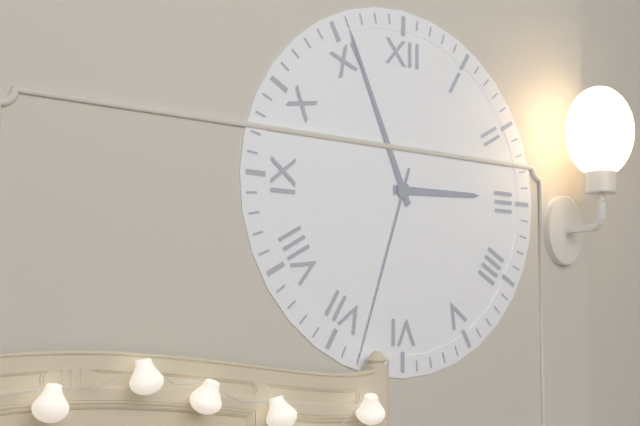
2:56:33
